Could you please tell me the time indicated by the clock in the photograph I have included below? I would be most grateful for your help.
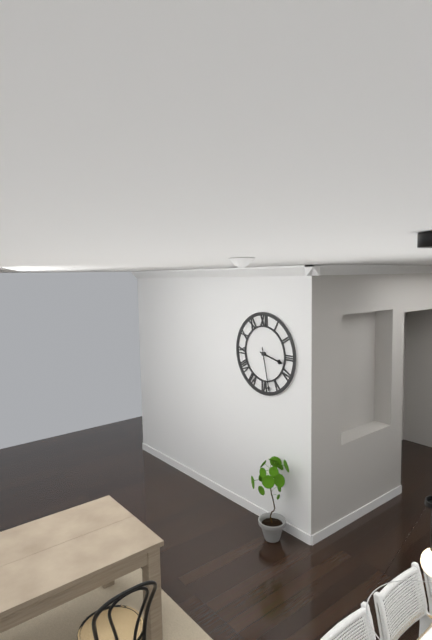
3:28
